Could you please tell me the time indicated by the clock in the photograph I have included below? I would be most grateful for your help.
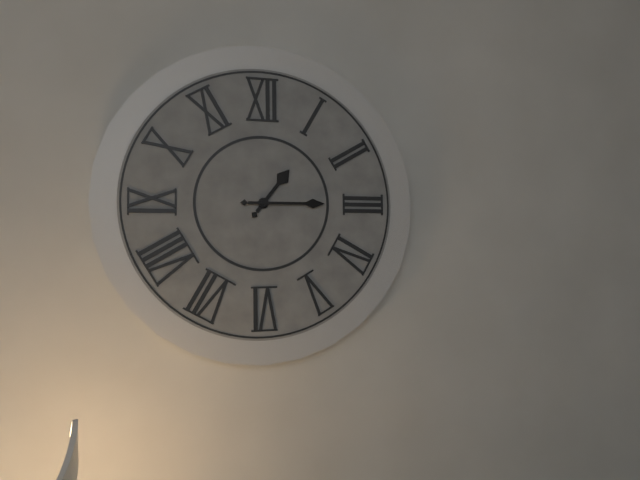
1:15
